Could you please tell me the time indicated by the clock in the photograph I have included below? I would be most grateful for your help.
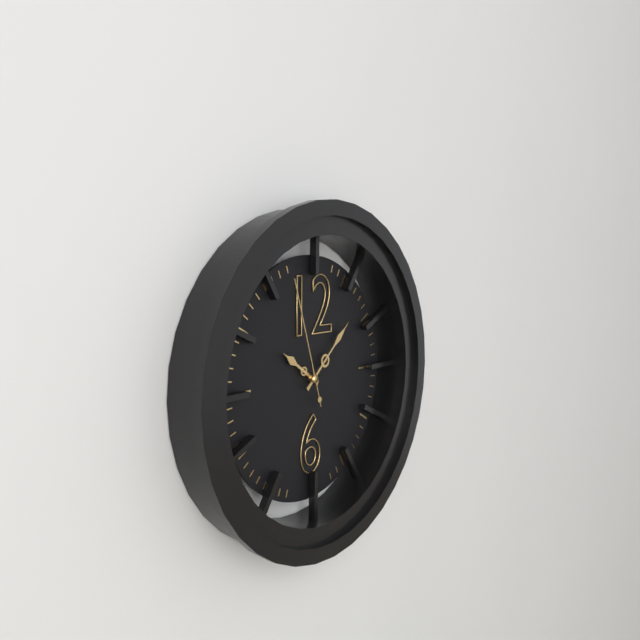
10:08:57
